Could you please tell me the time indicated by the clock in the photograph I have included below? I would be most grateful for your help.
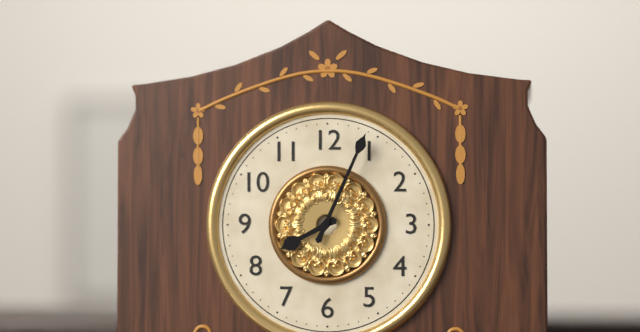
8:04
